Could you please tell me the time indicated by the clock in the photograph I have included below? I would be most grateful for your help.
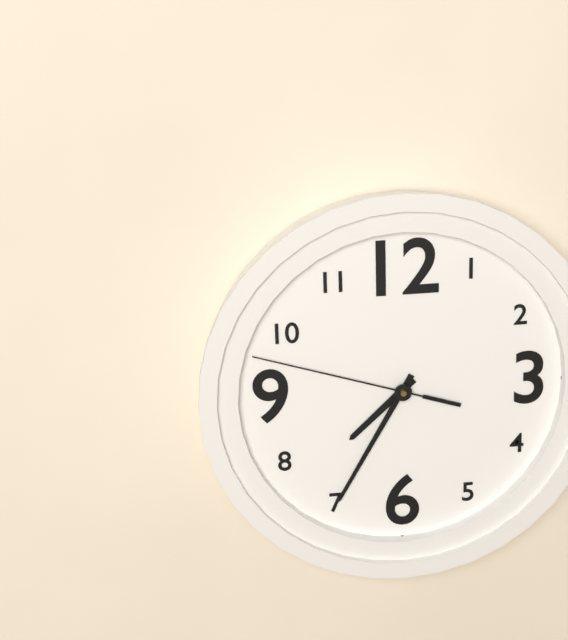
7:35:48
